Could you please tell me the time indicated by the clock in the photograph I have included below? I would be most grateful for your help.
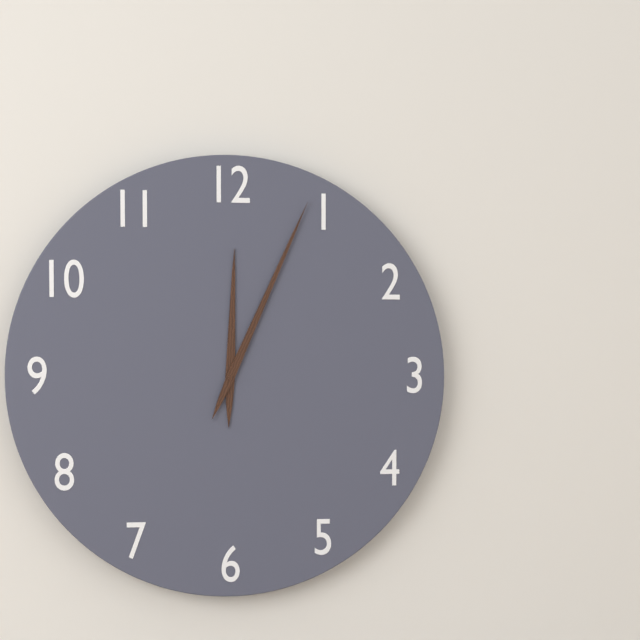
12:04
